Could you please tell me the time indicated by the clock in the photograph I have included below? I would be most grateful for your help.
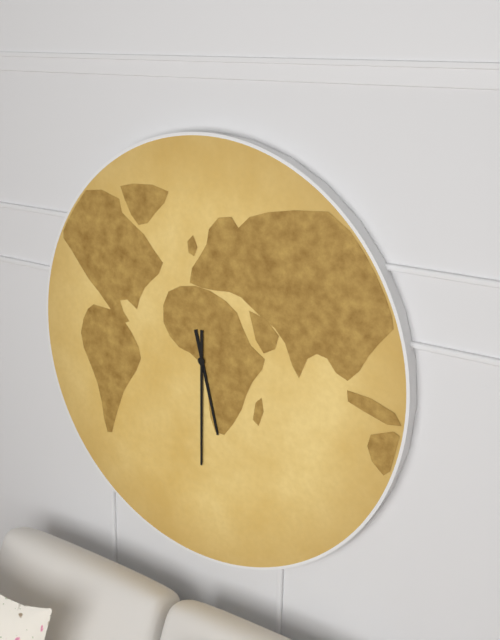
5:30
